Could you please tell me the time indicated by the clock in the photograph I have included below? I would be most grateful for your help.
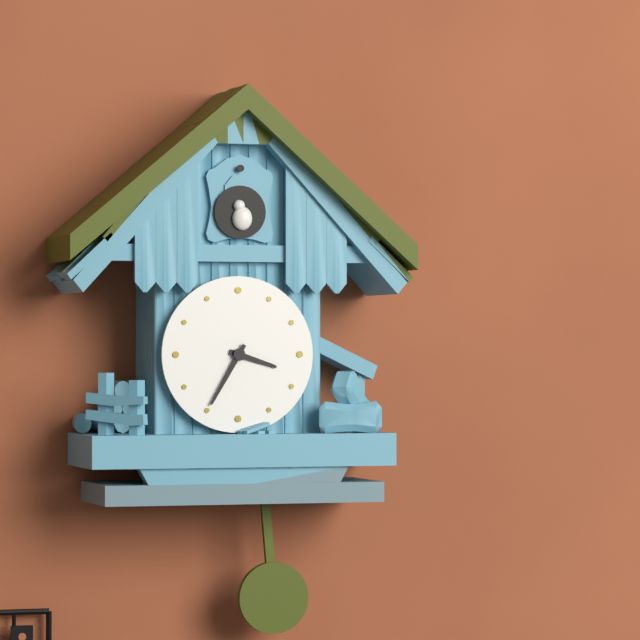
3:35
